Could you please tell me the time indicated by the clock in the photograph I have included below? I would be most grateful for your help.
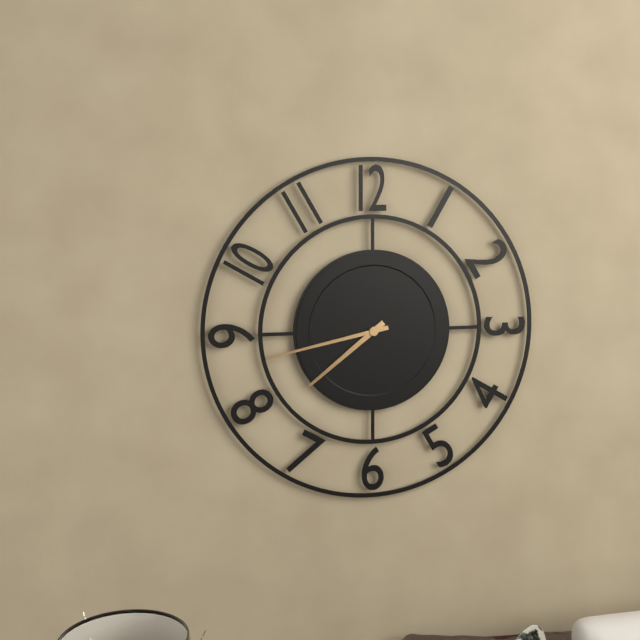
7:43
